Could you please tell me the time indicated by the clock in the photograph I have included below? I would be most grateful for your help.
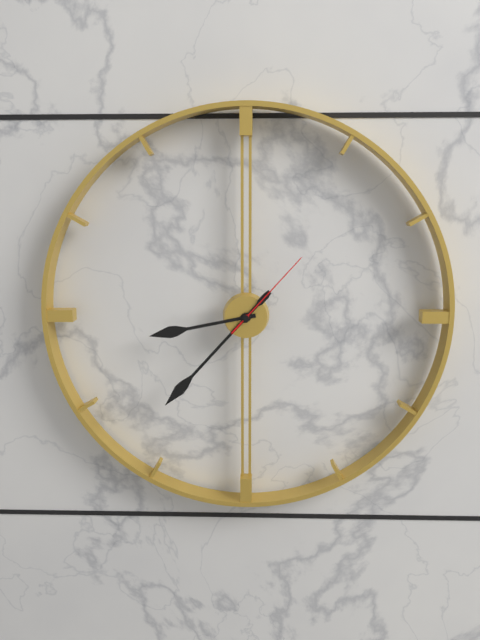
8:37:07
